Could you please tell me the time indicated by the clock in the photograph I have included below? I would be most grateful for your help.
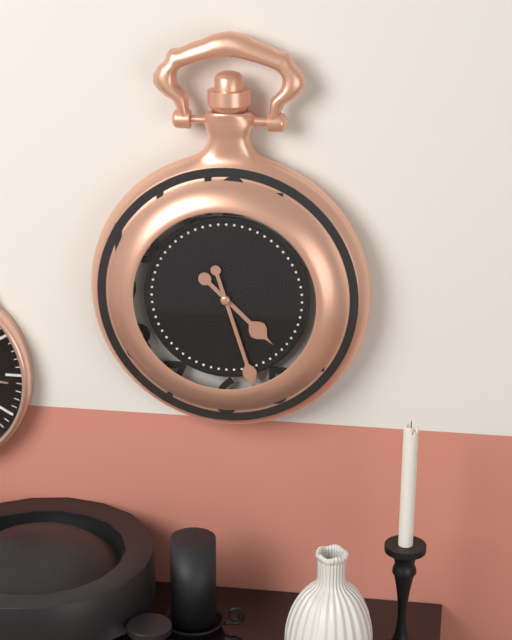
4:27
